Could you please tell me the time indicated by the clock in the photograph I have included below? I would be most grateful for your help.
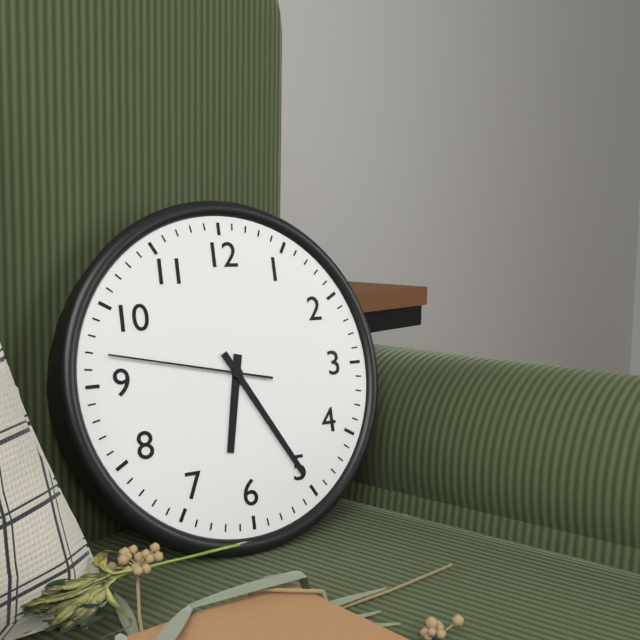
6:25:47
